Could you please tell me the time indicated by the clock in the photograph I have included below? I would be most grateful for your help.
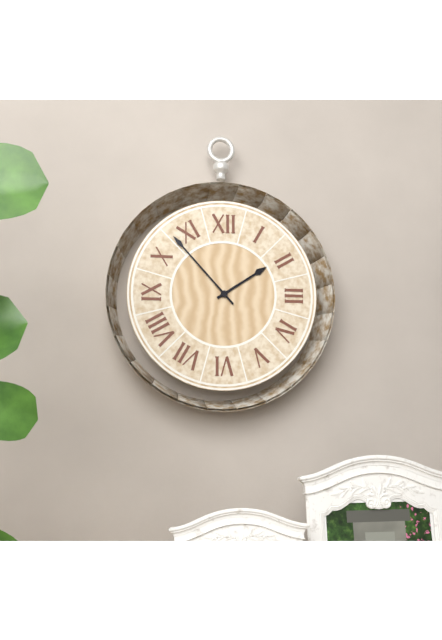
1:53
